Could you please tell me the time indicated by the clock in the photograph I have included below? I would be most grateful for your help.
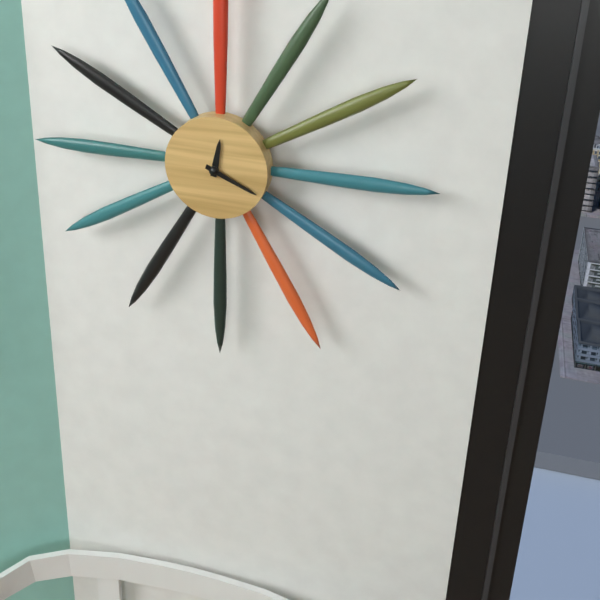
12:19
